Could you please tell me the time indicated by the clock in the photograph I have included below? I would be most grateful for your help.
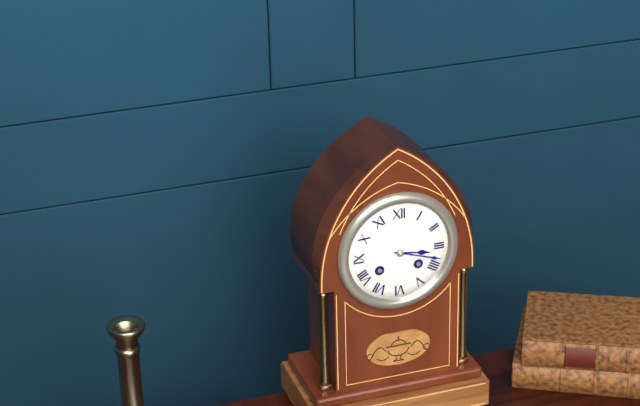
3:18
